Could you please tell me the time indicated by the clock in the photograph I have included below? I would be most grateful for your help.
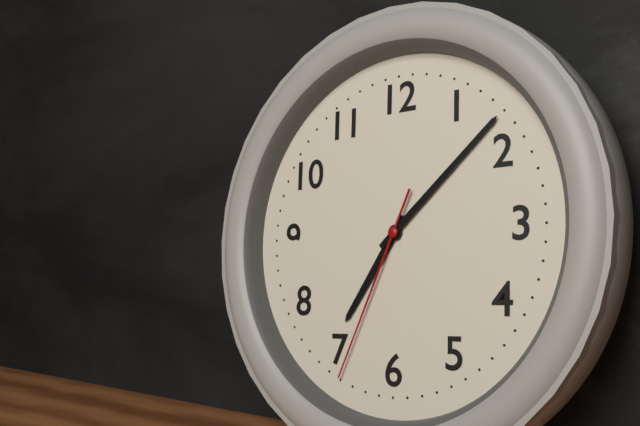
7:08:34
